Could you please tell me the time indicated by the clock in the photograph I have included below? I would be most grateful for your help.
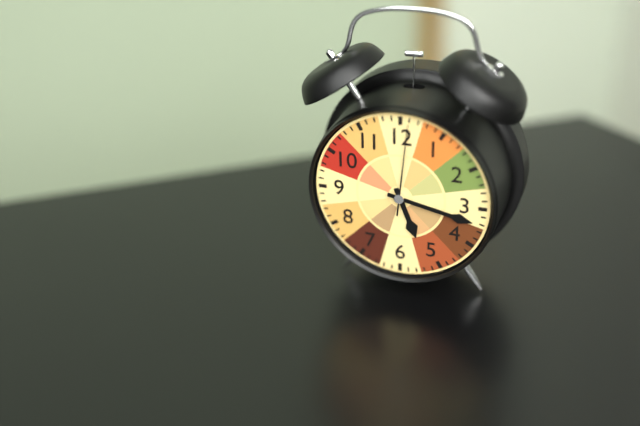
5:17:01
